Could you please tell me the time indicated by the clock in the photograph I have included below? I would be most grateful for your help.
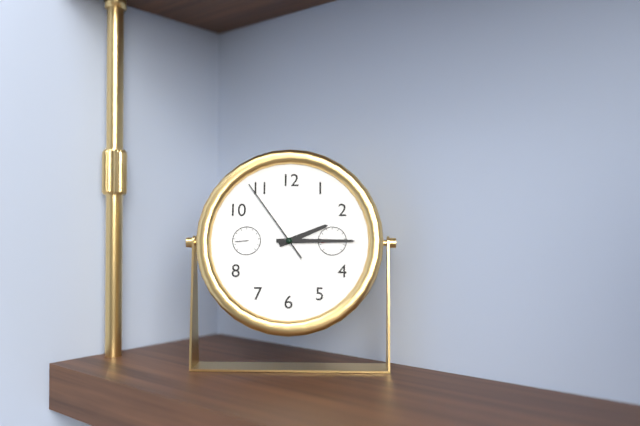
2:15:54
